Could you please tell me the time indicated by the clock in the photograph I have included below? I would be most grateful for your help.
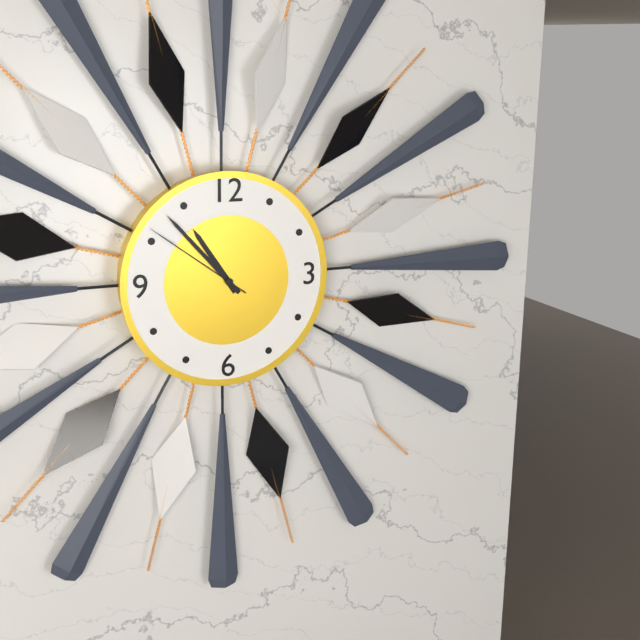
10:53:51
